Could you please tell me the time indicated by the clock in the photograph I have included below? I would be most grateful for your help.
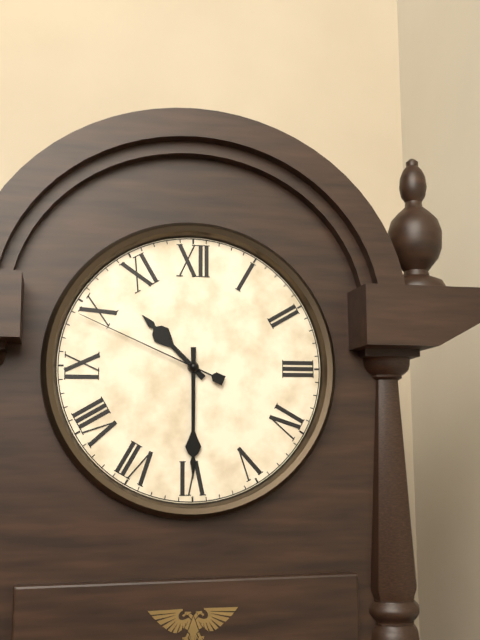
10:30:49
